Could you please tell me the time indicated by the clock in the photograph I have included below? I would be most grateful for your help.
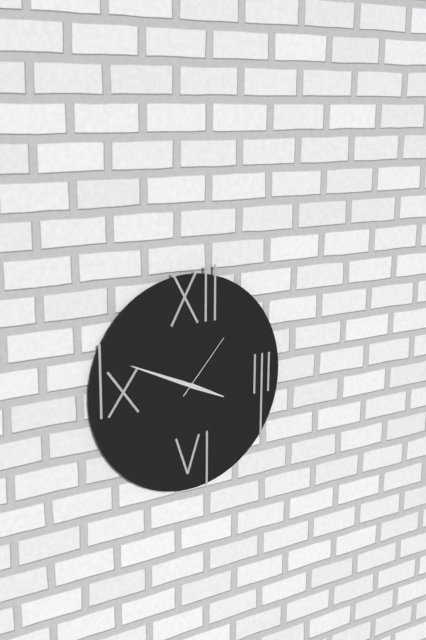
3:49:07
